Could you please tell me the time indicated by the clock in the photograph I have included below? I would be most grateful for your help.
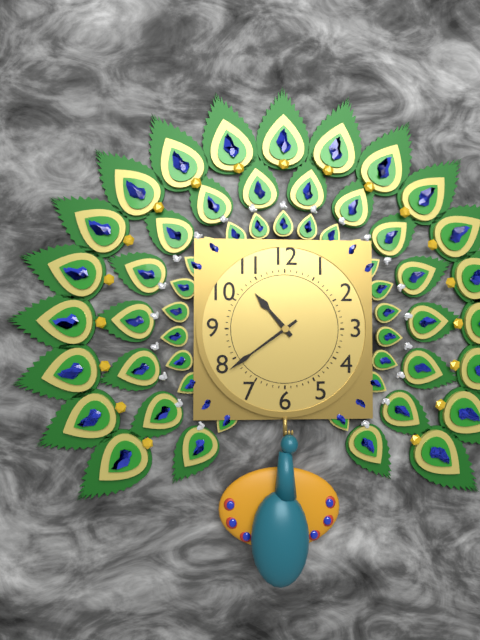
10:39
